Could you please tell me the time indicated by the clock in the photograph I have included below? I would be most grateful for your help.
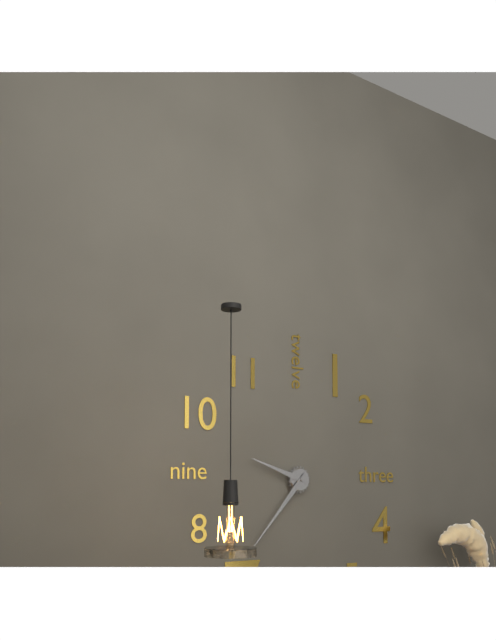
9:37
